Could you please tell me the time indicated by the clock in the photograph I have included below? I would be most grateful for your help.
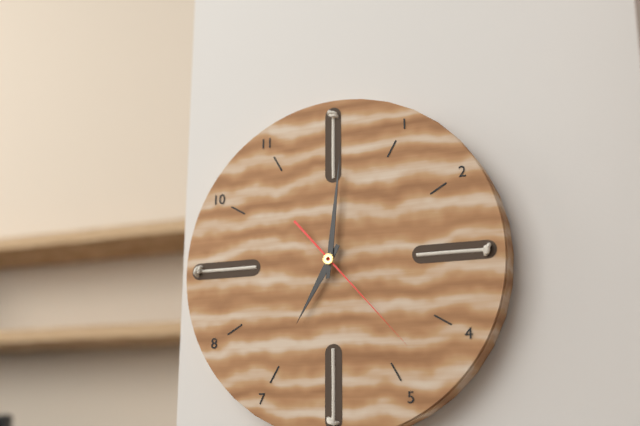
7:01:23
